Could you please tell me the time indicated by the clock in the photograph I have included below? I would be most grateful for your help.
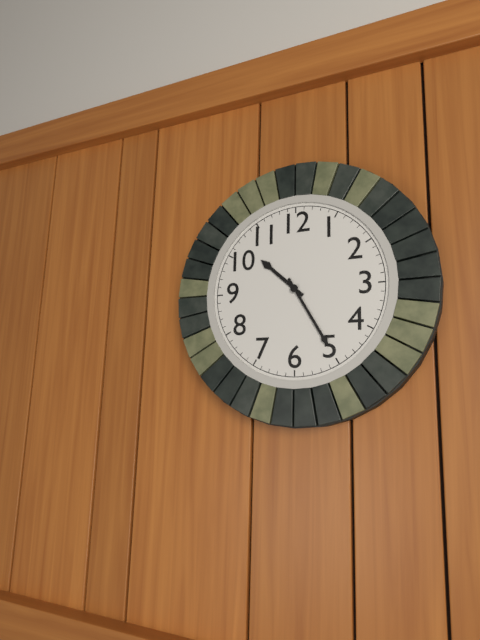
10:25
